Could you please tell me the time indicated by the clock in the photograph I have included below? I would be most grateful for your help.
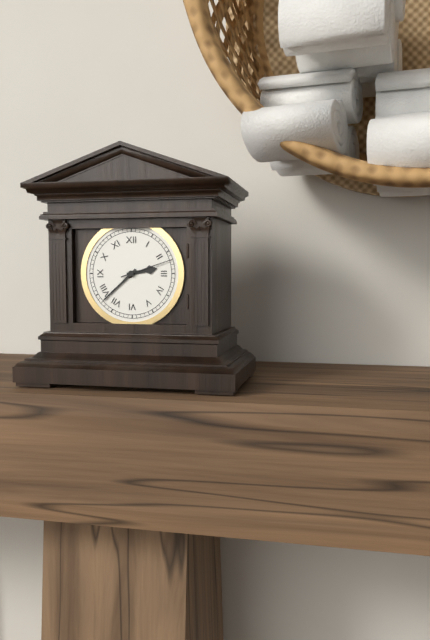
2:38:12
